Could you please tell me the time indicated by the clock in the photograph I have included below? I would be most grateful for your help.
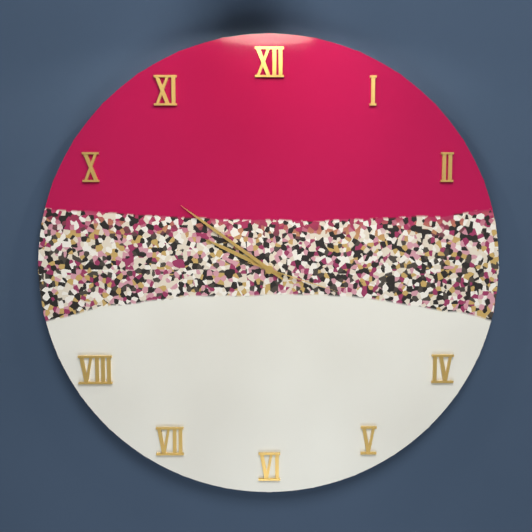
9:51:18
